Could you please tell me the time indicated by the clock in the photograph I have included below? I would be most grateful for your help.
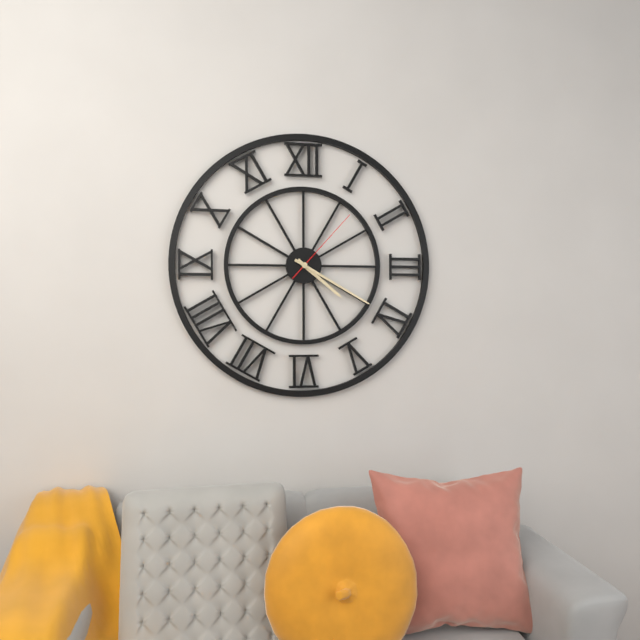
4:20:07
